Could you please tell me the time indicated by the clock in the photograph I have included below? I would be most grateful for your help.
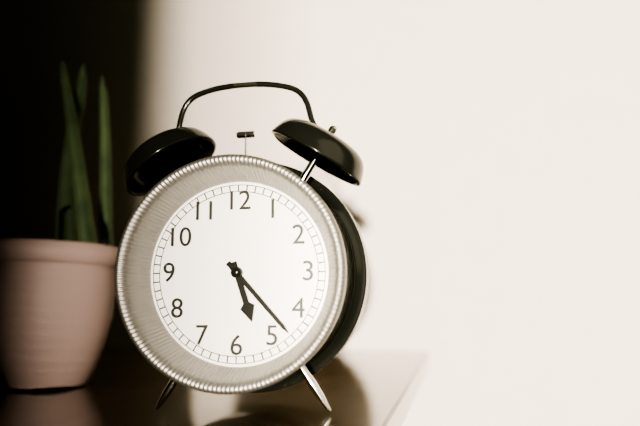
5:23
